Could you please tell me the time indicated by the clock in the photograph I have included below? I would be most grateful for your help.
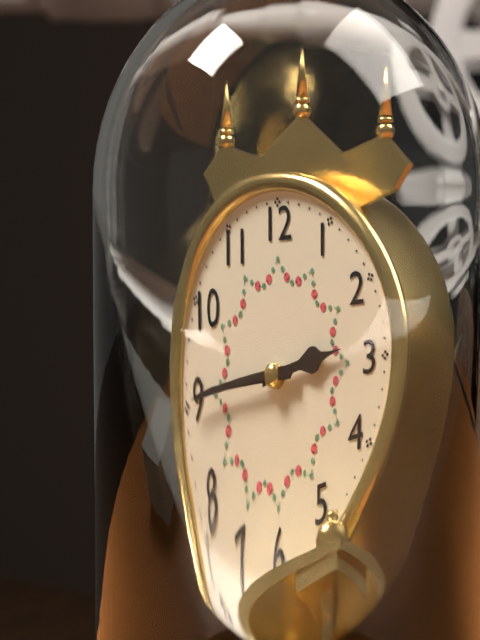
2:45
